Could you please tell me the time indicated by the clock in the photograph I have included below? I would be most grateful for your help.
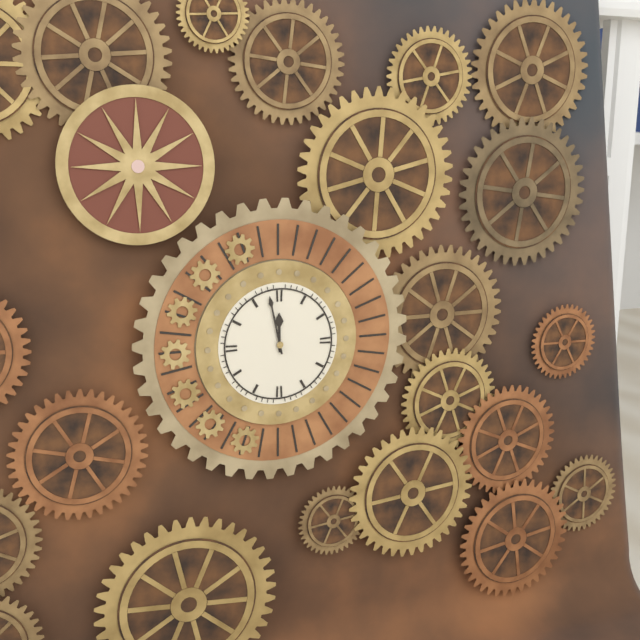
11:58
